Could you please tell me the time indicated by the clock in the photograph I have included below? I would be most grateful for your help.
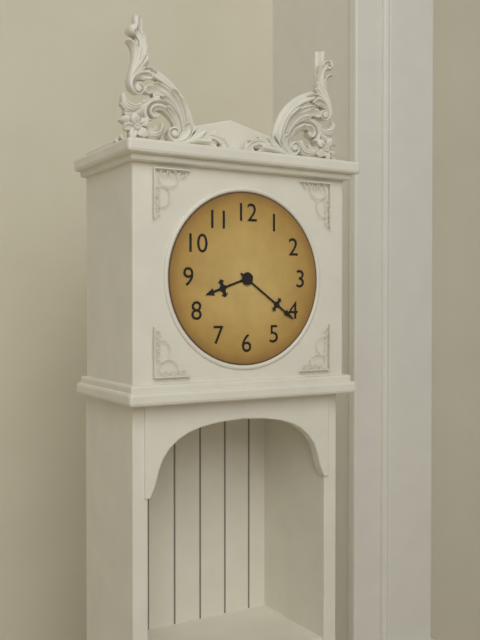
8:21
